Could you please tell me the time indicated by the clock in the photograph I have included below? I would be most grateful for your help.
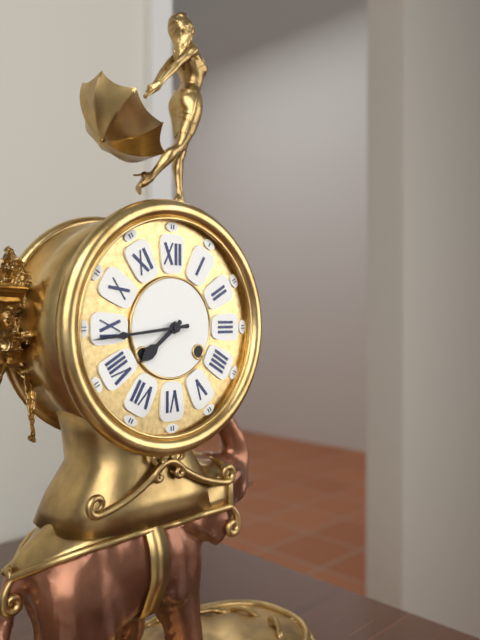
7:44
